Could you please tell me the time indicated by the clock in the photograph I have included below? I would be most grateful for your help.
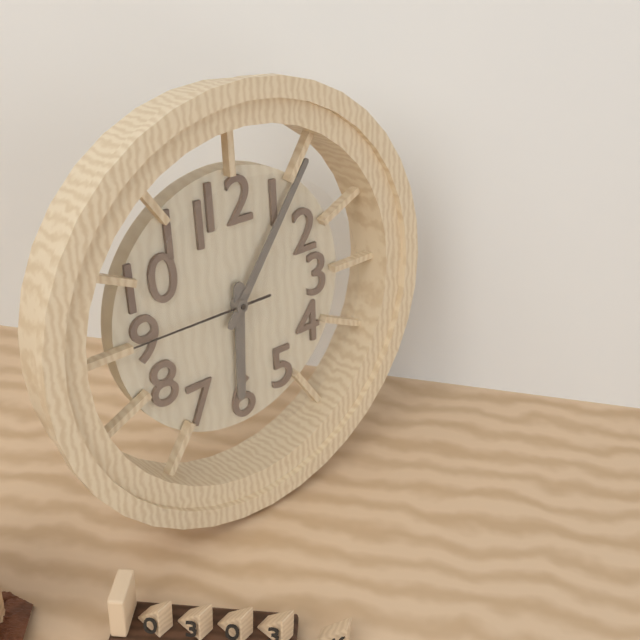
6:06:45
